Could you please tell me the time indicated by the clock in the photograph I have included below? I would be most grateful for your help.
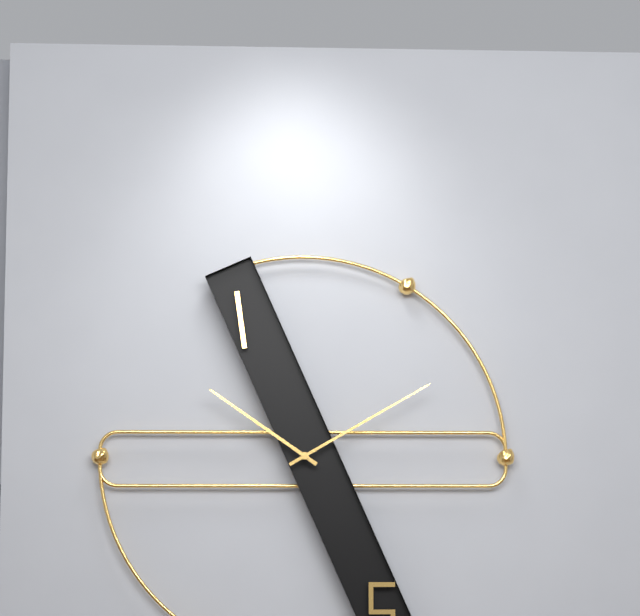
10:10
